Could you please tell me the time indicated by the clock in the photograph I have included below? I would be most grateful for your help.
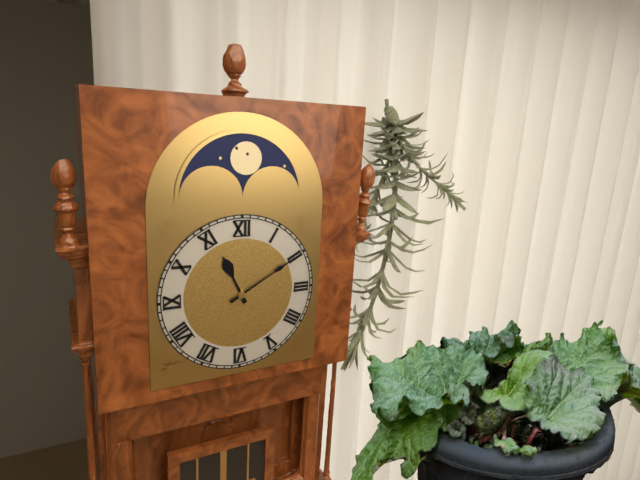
11:10
